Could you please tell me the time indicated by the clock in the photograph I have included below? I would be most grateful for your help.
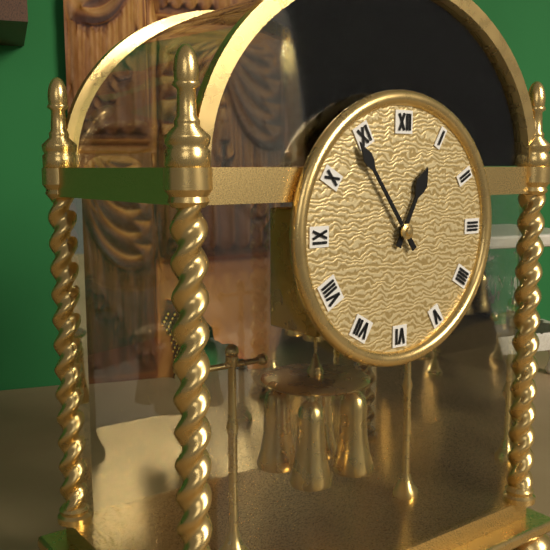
12:54
